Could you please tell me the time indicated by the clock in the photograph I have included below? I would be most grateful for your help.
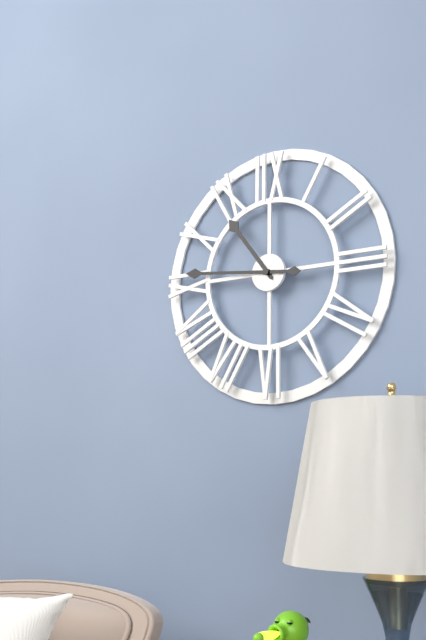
10:46
